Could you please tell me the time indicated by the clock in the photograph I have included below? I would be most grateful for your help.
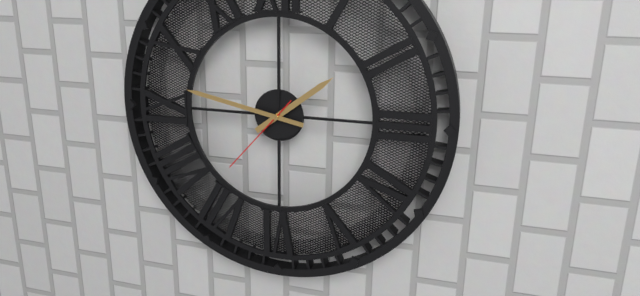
1:47:37
